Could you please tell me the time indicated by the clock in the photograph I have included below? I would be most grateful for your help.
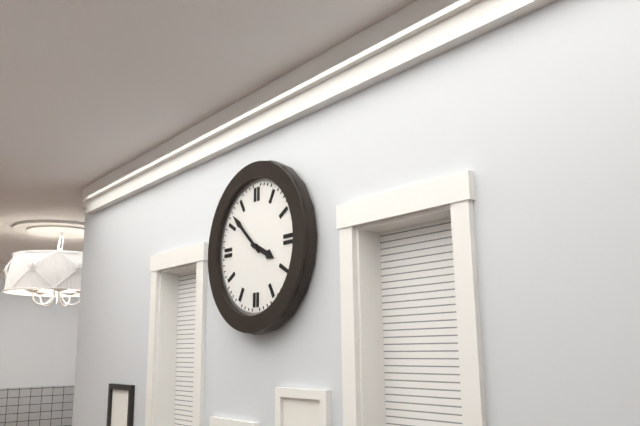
3:52
